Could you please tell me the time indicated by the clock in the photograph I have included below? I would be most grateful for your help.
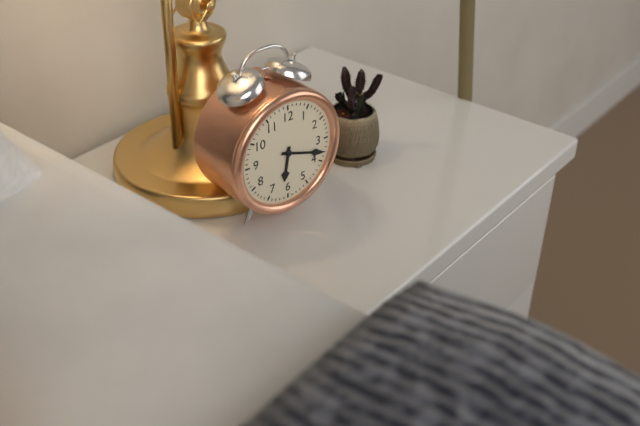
6:18
